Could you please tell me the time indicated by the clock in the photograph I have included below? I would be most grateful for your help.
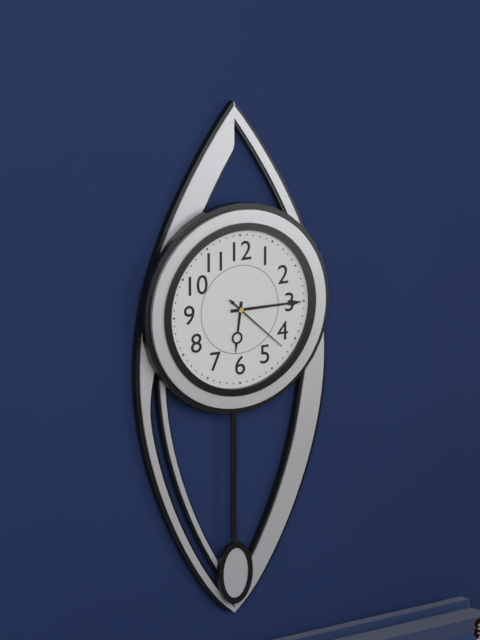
6:15:22
